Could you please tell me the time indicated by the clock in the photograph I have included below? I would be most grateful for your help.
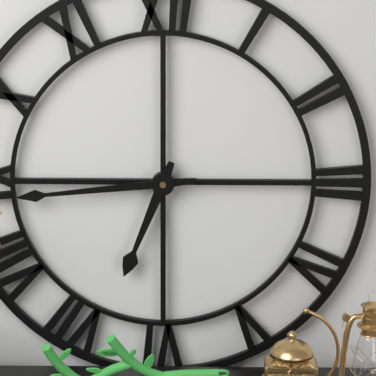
6:44
